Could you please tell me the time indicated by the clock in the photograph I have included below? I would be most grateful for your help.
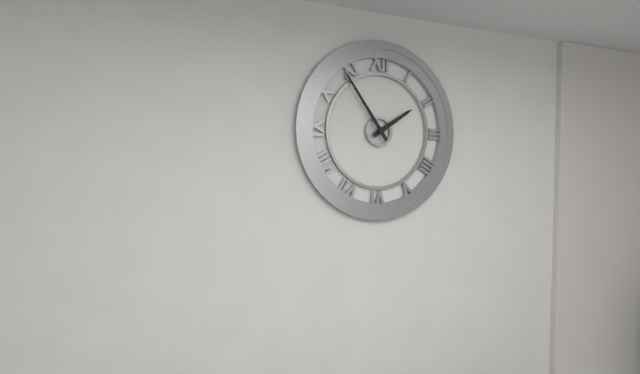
1:54
